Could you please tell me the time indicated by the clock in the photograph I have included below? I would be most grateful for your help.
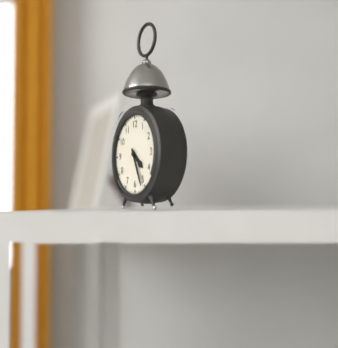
4:26
